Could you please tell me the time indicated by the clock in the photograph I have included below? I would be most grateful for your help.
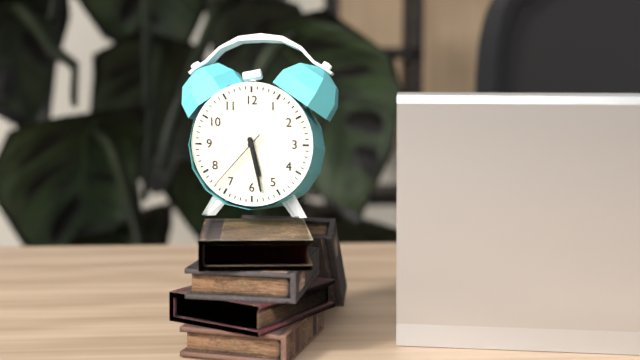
5:28:37
